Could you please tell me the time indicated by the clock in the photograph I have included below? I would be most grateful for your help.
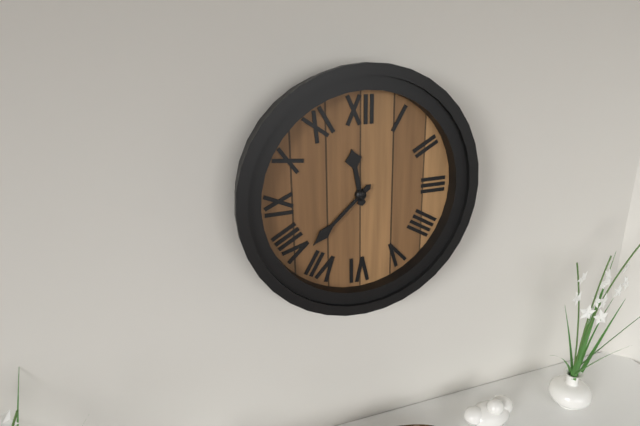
11:38
